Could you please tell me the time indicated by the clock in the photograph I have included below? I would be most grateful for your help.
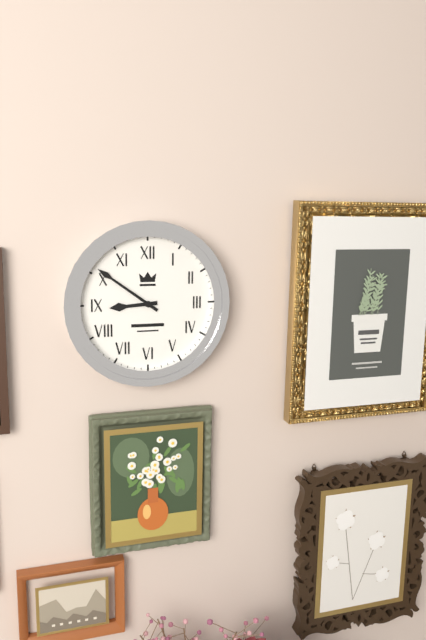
8:51
